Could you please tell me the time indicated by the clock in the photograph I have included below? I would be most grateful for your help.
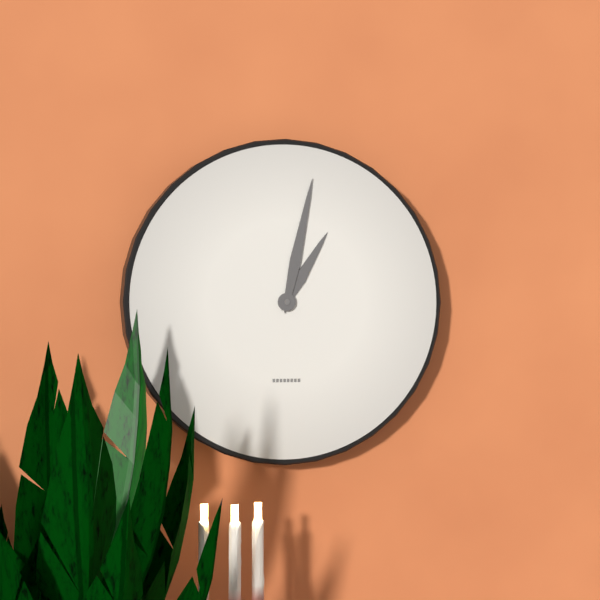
1:02
